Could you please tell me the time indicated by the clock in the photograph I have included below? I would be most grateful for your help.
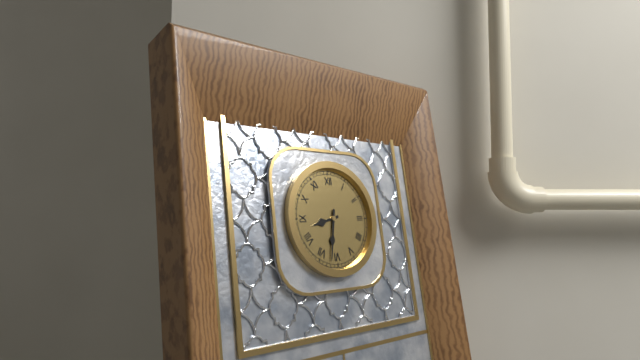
8:32
